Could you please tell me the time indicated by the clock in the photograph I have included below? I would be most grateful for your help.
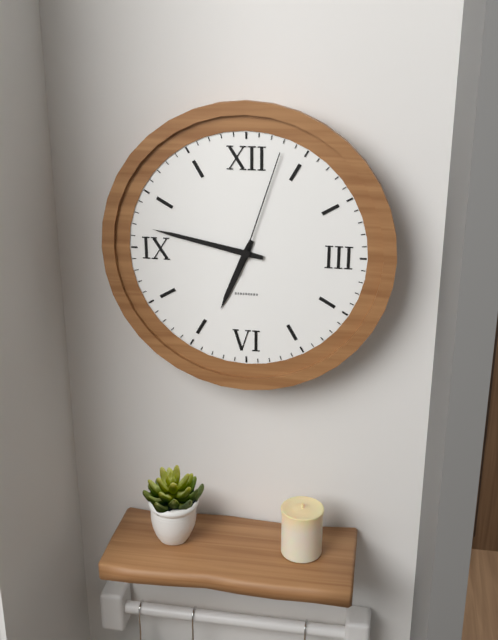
6:47:03
